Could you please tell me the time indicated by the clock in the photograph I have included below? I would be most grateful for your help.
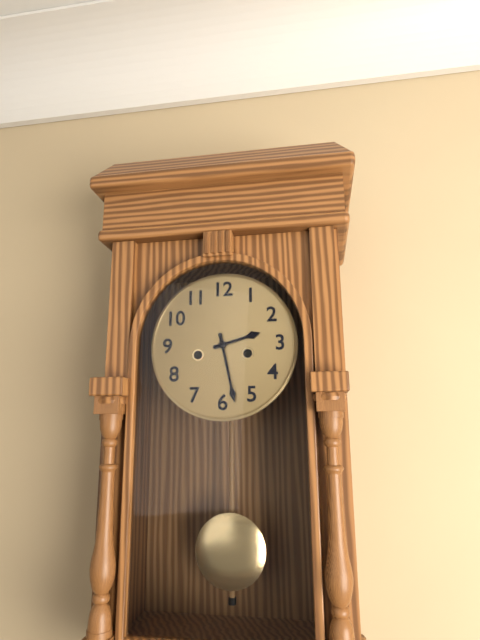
2:28
